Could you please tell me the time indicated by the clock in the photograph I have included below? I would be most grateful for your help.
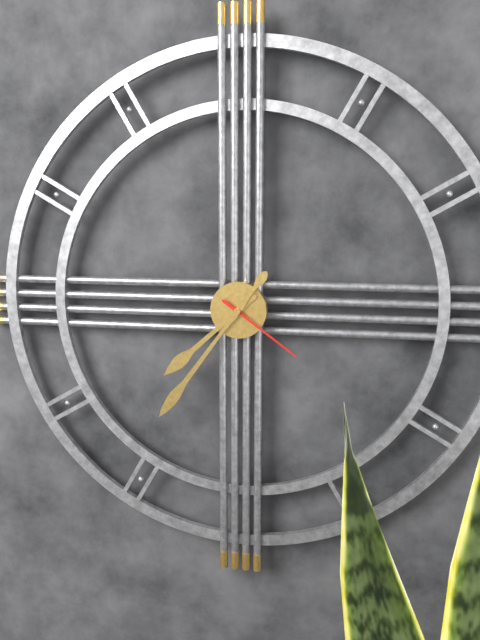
7:36:21
